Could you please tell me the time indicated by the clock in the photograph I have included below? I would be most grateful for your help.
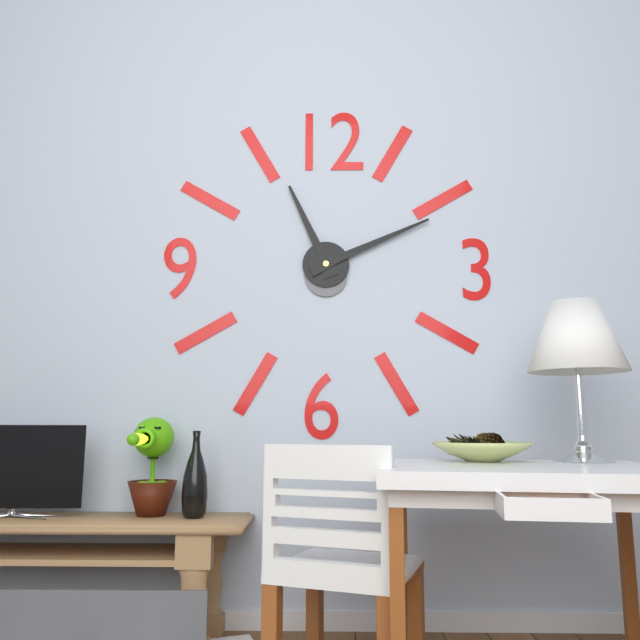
11:11
